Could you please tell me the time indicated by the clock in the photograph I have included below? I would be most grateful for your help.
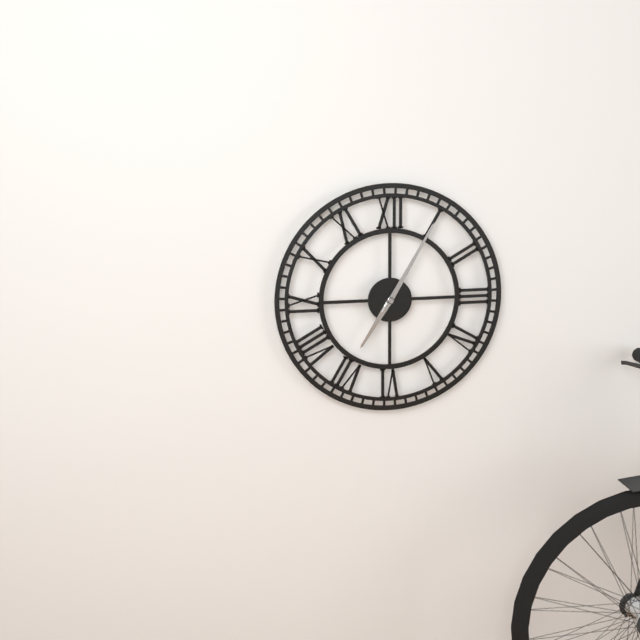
7:05
